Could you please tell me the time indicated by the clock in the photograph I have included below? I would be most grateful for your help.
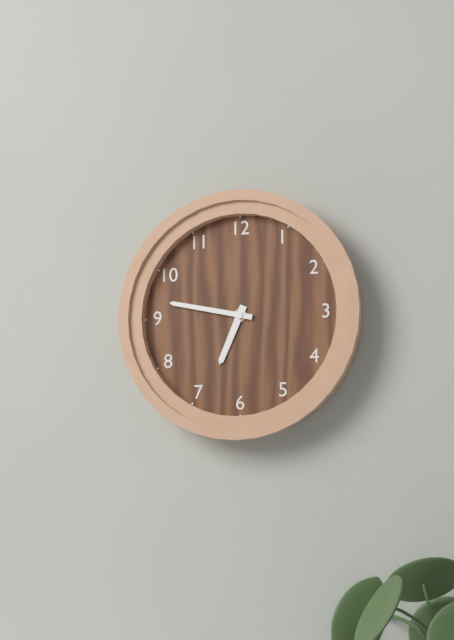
6:47
